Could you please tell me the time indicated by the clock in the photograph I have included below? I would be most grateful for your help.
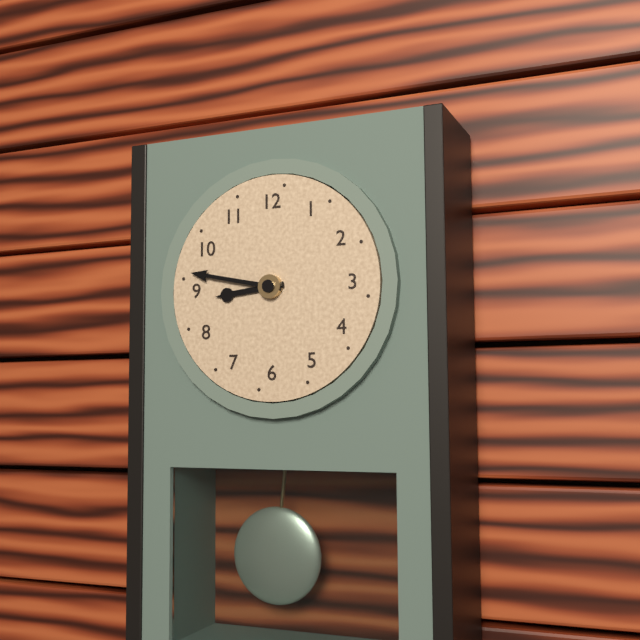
8:47
